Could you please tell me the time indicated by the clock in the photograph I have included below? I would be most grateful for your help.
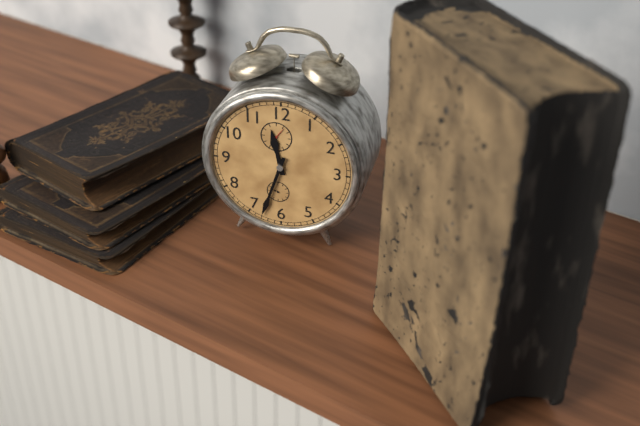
11:33
